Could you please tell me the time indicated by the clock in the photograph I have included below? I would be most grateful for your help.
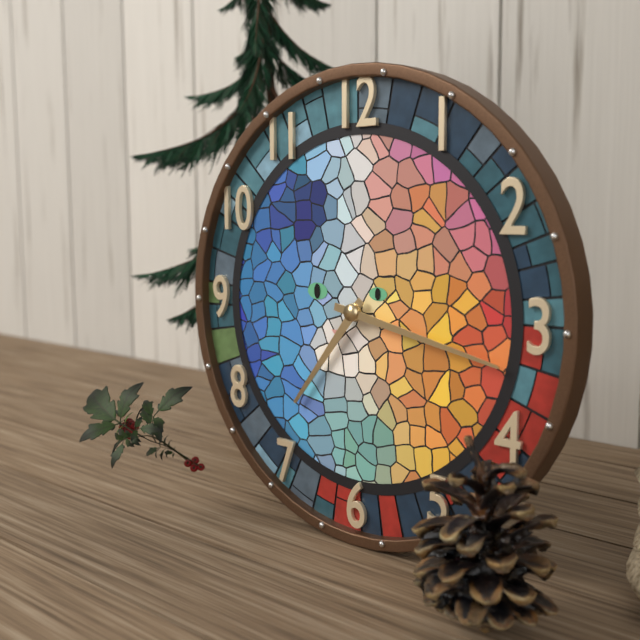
7:17
